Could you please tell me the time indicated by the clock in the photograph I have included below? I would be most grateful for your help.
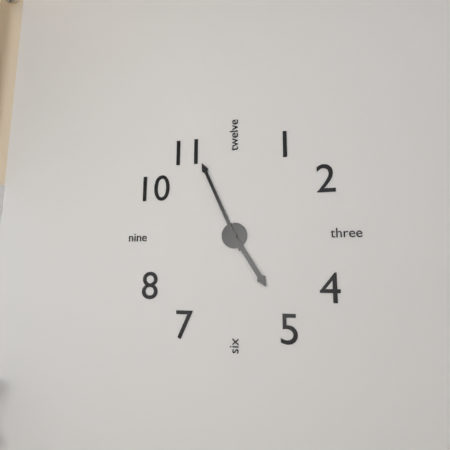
4:56
